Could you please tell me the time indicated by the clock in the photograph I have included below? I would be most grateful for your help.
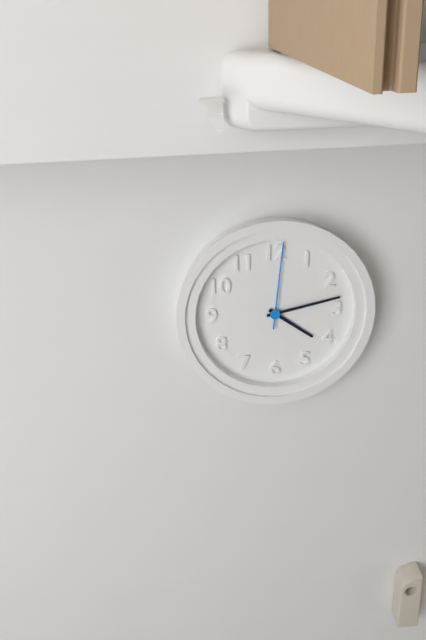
4:13:01
